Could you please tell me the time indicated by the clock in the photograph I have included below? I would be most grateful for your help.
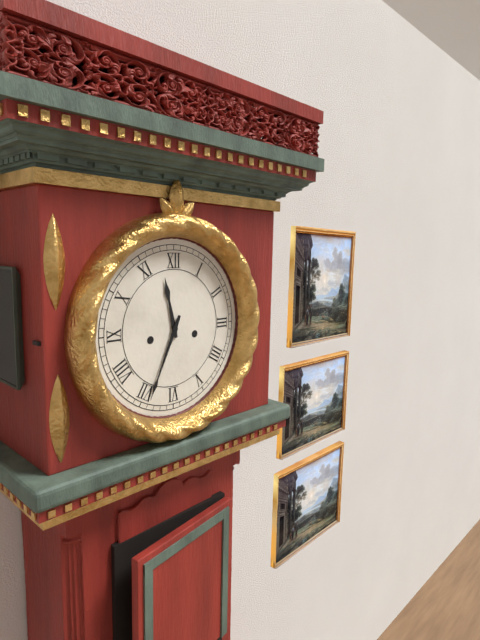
11:34
